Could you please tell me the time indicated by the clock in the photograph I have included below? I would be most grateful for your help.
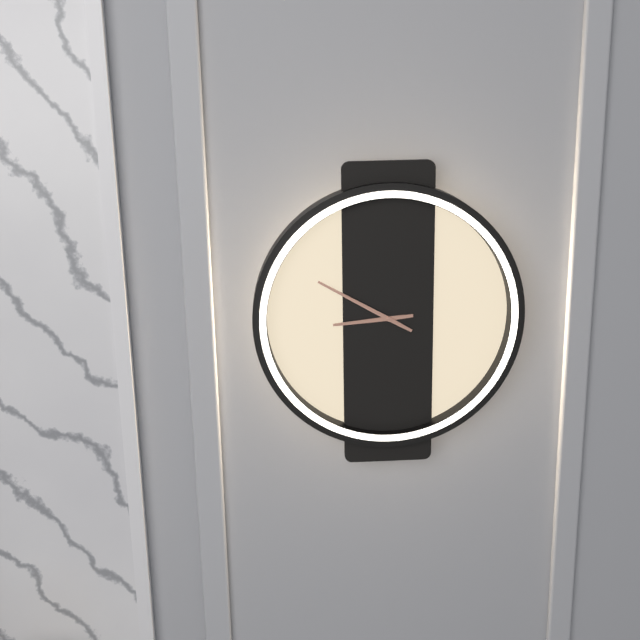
8:50
